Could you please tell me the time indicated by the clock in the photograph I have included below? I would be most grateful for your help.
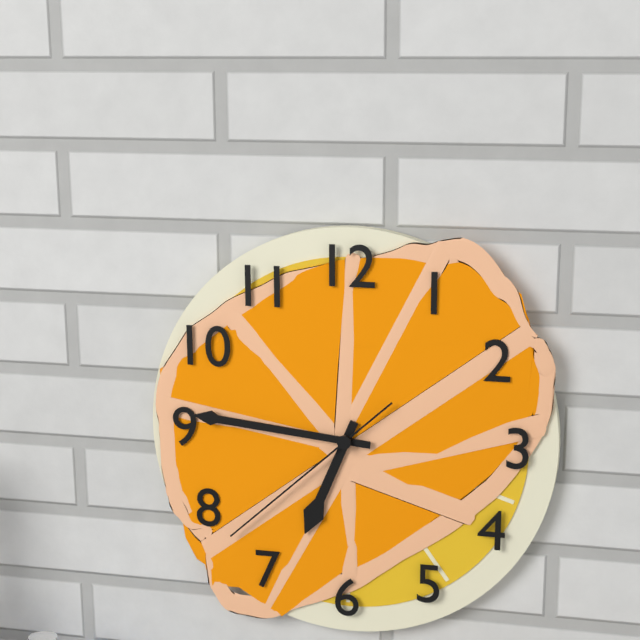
6:46:38
